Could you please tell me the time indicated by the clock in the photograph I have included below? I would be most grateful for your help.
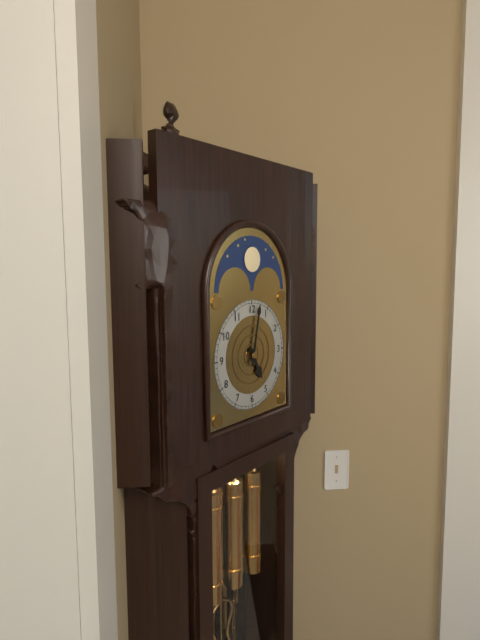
5:02
